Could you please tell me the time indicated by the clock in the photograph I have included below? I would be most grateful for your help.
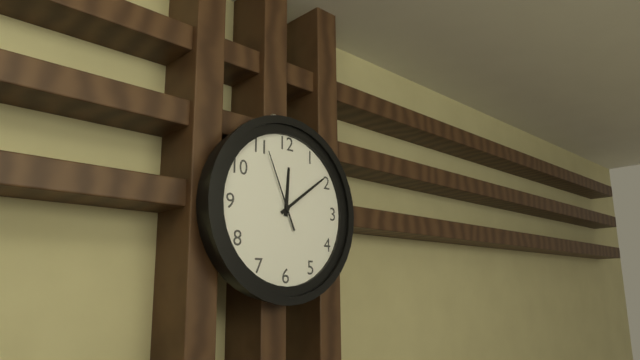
12:09:56
